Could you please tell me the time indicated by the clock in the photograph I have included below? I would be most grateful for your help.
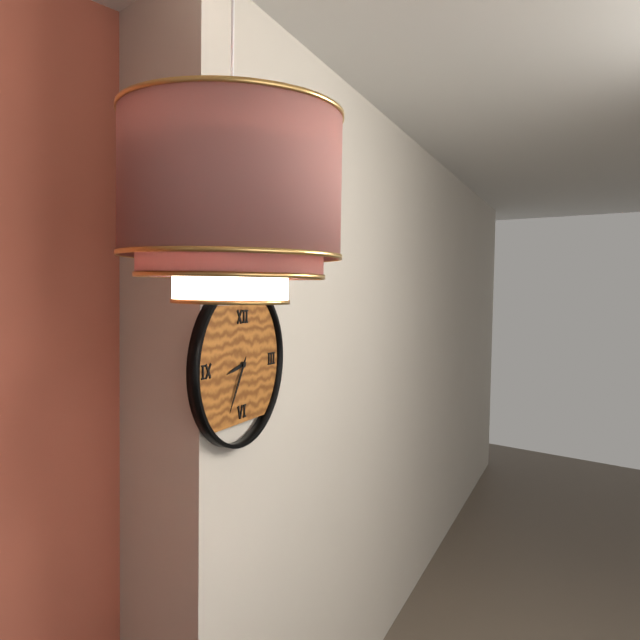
8:35
